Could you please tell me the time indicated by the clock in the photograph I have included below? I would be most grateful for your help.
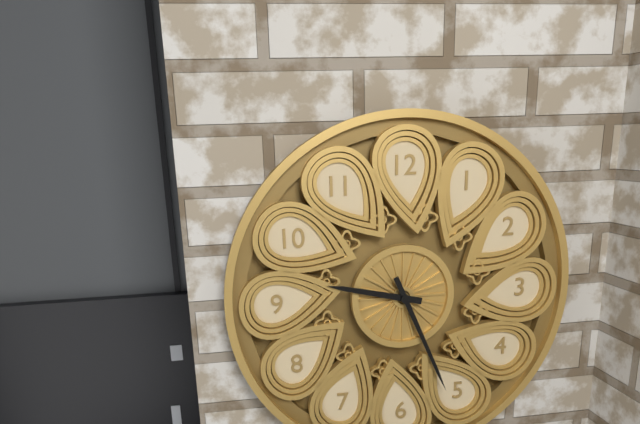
9:26
